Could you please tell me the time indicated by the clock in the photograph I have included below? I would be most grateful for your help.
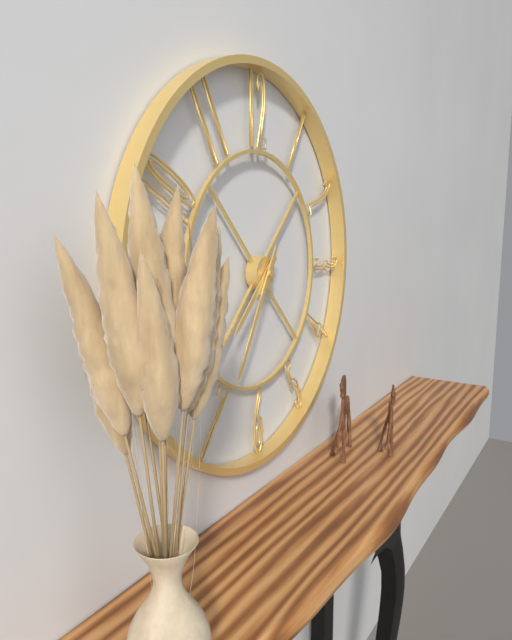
7:35
